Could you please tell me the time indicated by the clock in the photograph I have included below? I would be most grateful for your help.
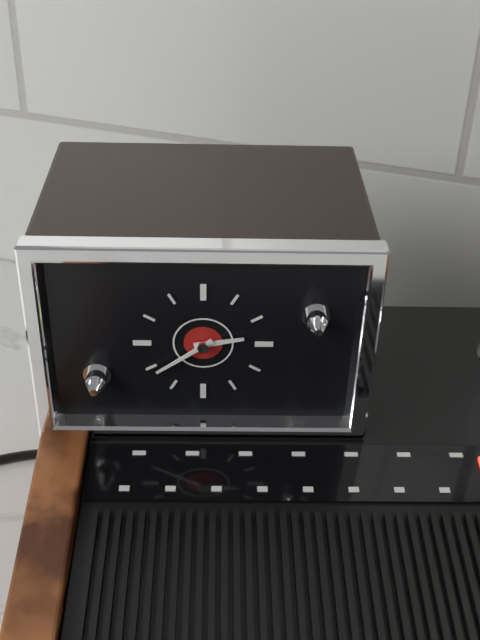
2:39
